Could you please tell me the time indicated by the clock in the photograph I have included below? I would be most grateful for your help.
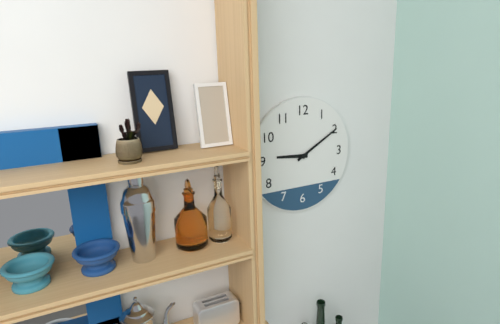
9:10
